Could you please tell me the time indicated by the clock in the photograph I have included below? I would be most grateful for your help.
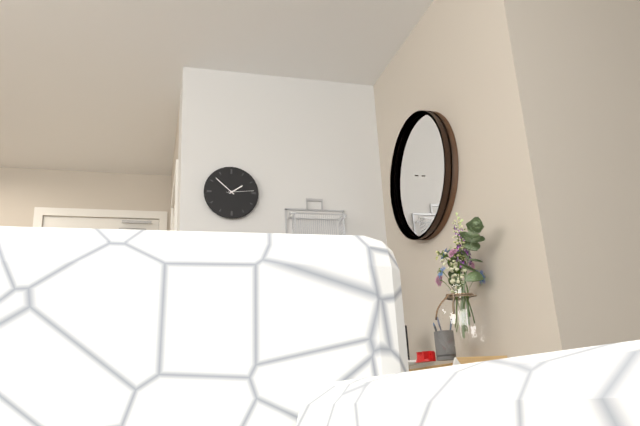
1:52
